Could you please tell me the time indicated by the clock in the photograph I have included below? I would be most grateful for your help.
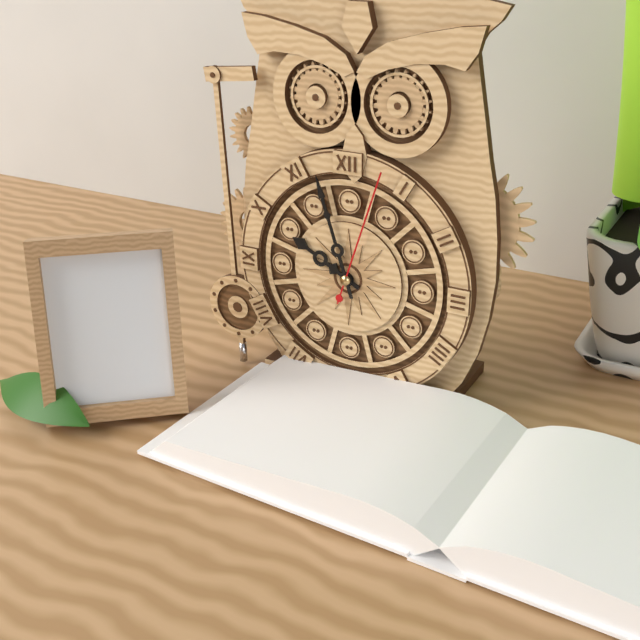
9:57:03
